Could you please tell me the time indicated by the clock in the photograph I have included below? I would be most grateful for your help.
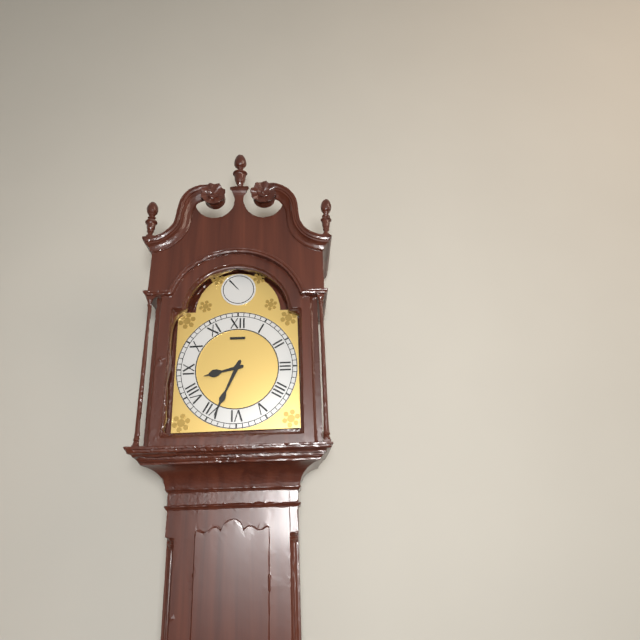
8:34
